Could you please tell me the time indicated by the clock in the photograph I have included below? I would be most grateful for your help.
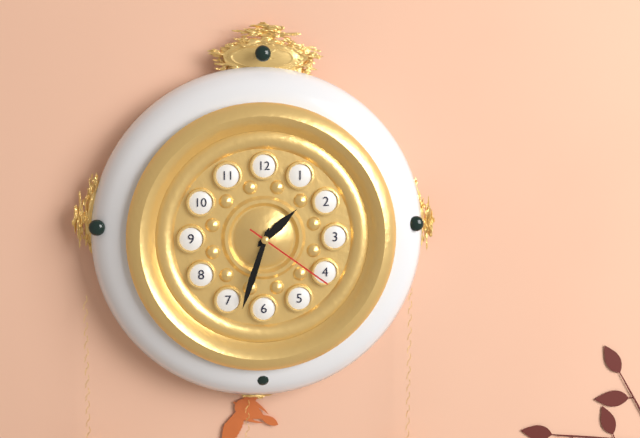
1:33:21
